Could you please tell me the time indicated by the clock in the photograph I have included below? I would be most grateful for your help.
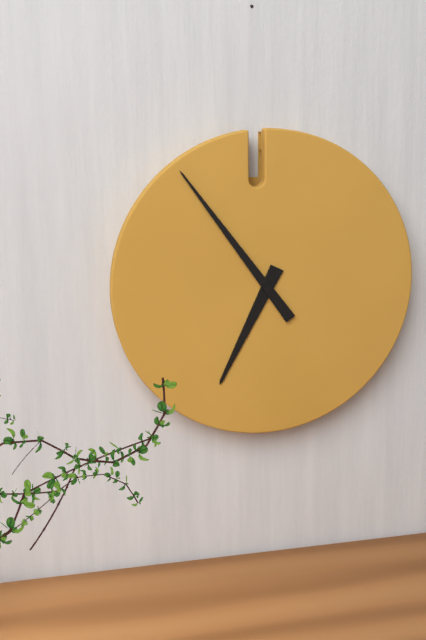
6:54
